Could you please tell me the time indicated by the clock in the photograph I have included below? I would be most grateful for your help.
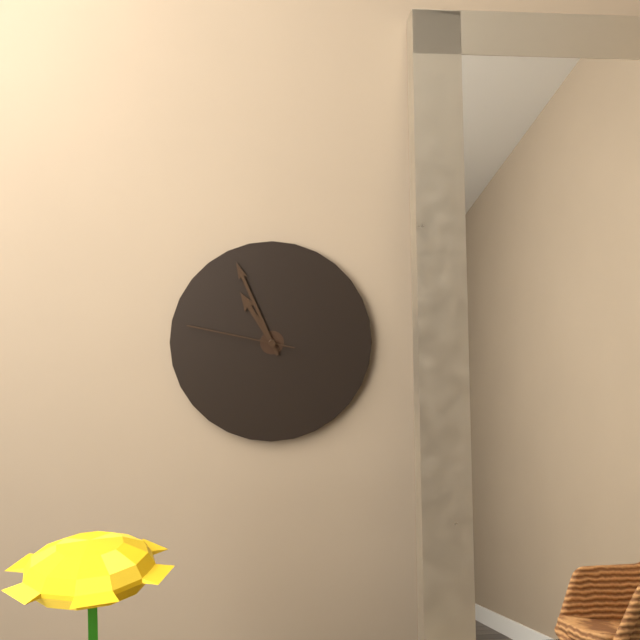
10:56:47
